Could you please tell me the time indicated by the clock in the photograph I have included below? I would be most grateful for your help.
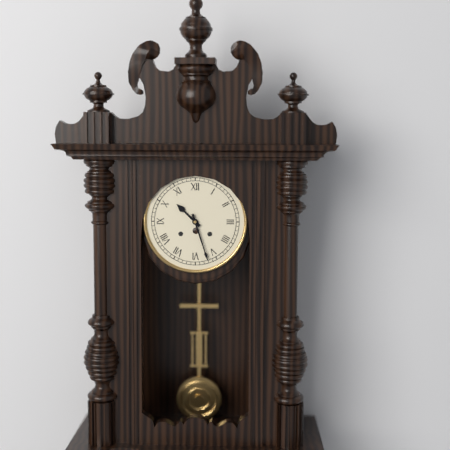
10:27
